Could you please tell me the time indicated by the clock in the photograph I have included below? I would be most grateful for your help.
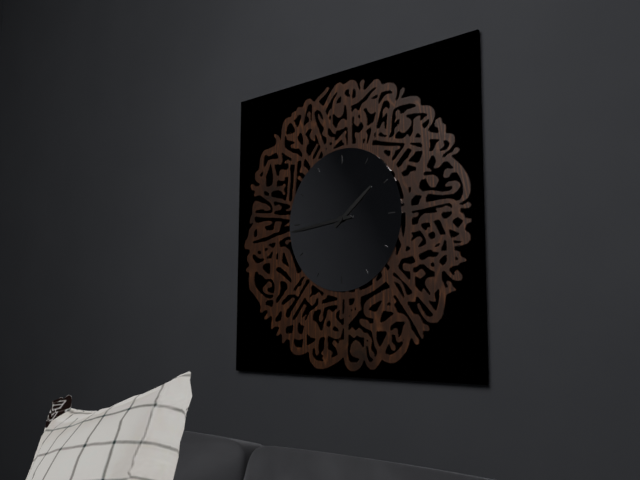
1:44
